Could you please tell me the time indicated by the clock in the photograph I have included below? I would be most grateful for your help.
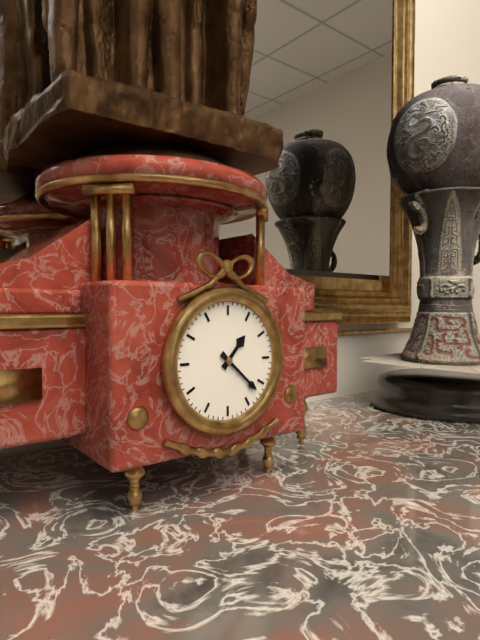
1:22
